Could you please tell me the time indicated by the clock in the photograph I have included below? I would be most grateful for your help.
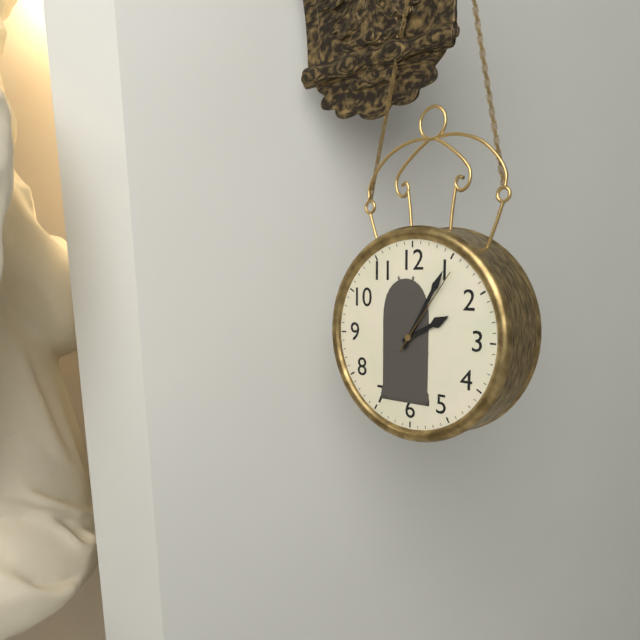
2:05:06
